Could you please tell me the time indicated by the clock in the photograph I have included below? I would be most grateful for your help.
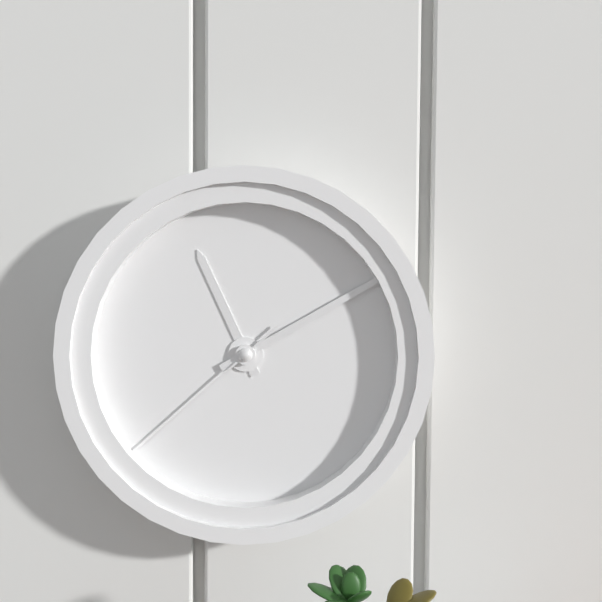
11:10:38
